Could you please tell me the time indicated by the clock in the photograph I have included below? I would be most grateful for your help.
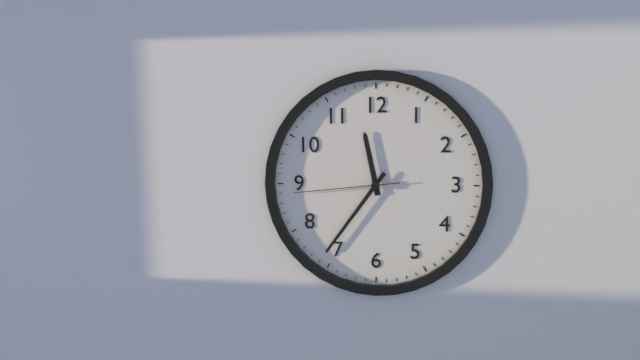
11:36:44
